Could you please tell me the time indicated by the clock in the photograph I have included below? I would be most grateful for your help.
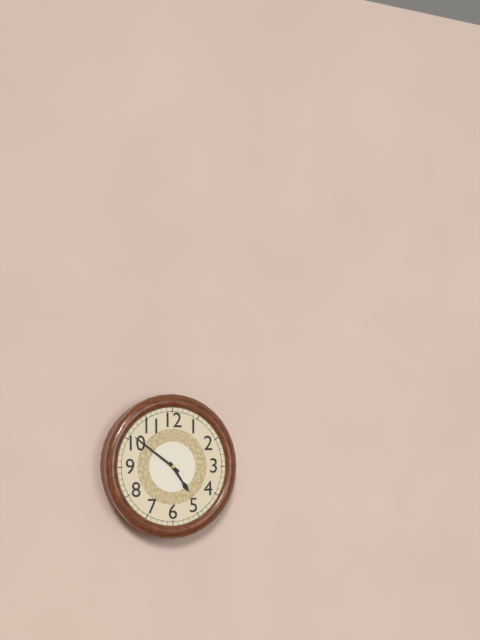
4:51
